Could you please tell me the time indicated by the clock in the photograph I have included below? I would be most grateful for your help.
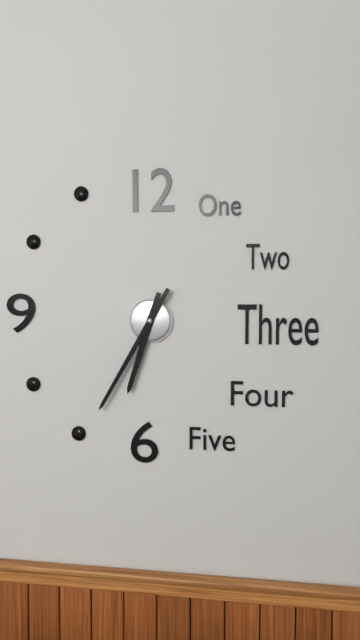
6:35
